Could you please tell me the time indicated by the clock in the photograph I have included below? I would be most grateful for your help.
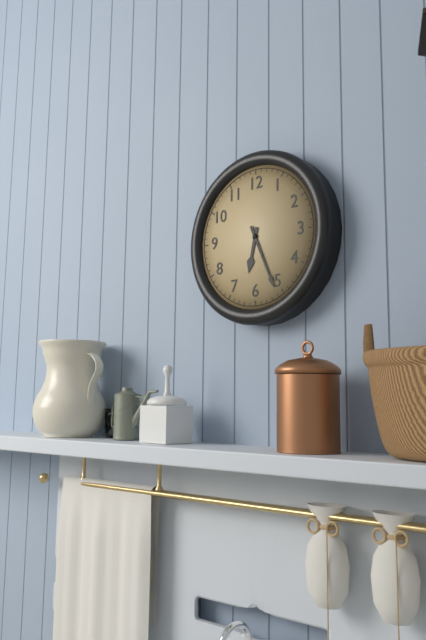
6:26
